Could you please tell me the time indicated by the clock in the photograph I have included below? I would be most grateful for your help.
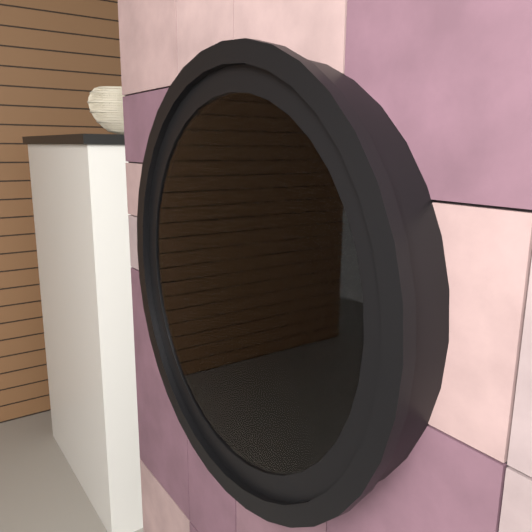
1:52
